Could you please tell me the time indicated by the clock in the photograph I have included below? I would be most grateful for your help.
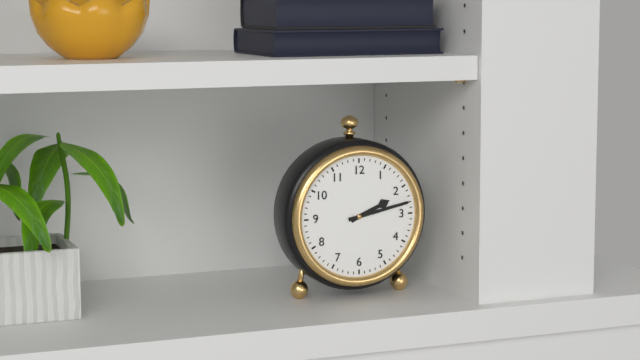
2:13
